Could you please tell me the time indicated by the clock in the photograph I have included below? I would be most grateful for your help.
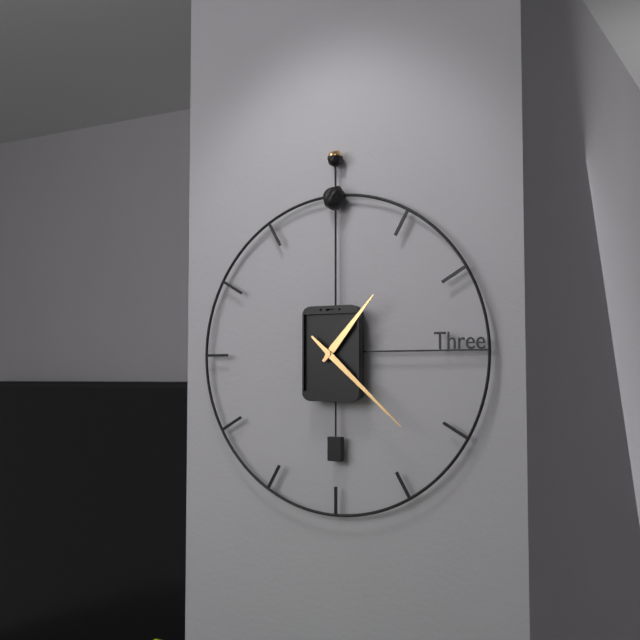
1:22
